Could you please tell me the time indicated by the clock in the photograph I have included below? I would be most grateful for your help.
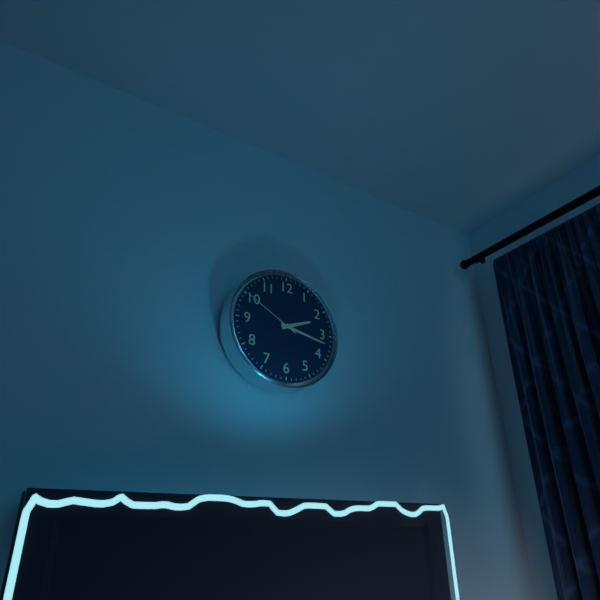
2:17:50
